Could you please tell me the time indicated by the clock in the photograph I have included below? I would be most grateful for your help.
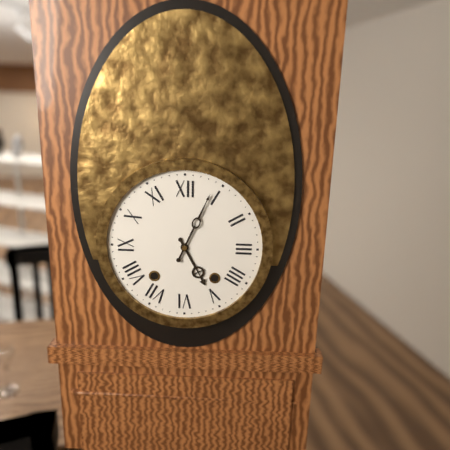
5:04
